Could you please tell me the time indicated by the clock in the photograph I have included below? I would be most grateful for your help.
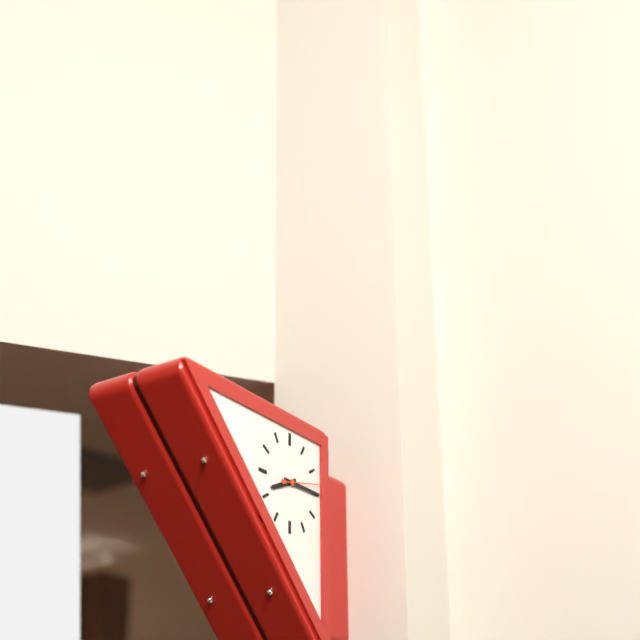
8:15
